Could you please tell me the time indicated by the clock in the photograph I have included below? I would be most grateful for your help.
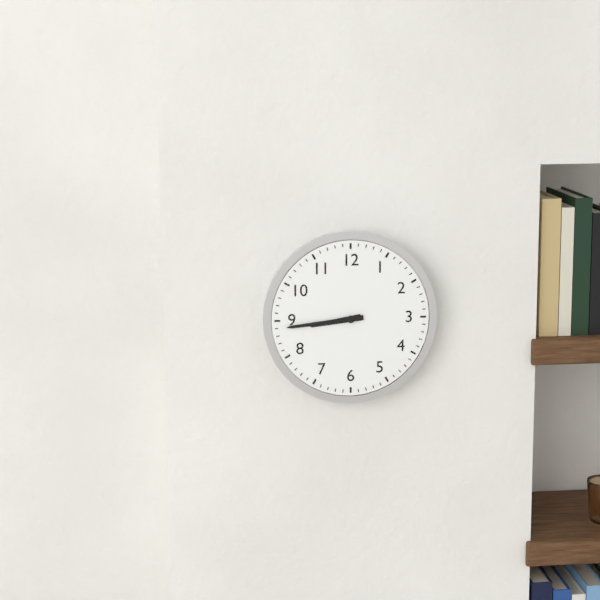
8:44
